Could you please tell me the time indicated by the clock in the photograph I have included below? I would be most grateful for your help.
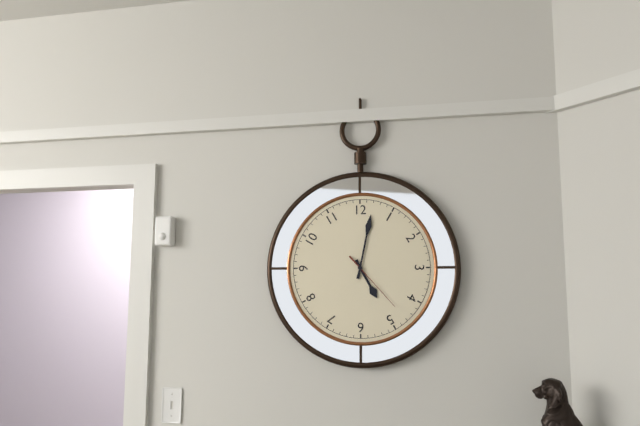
5:02:23
